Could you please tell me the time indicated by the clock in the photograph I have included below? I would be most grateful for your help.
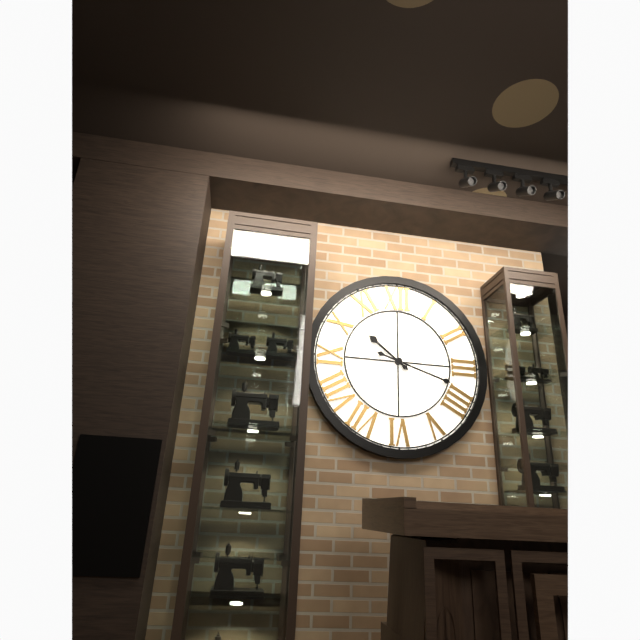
10:18
